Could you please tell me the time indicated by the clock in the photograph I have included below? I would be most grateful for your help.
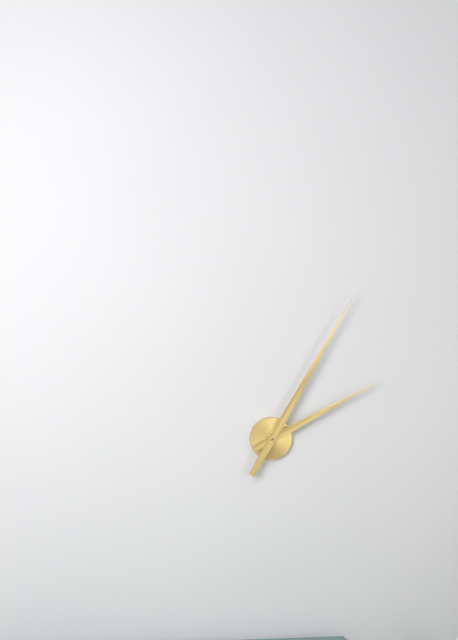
2:05
